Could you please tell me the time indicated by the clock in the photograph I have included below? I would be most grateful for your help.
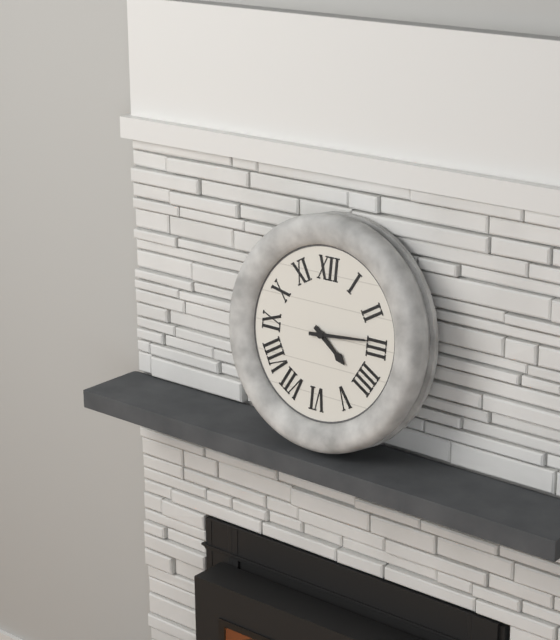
4:14
